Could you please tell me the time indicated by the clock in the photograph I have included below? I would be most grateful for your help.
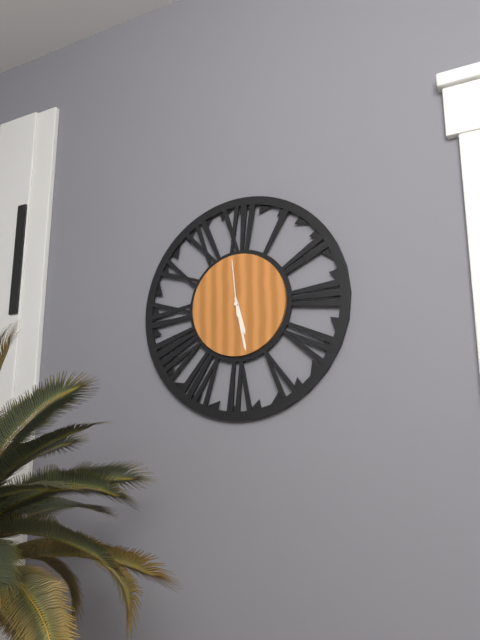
5:28:59
